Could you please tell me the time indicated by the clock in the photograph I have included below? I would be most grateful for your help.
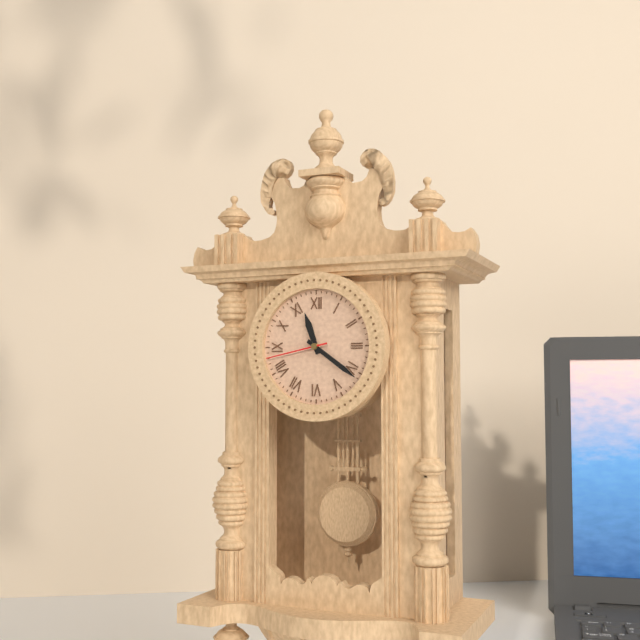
11:21:43
